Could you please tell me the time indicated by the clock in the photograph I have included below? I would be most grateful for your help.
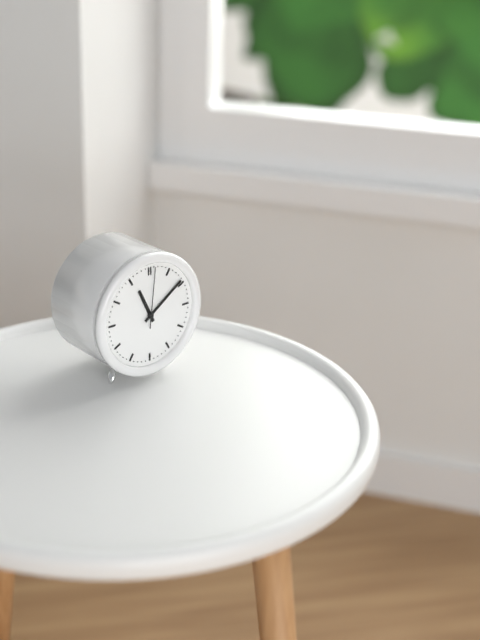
11:09:01
